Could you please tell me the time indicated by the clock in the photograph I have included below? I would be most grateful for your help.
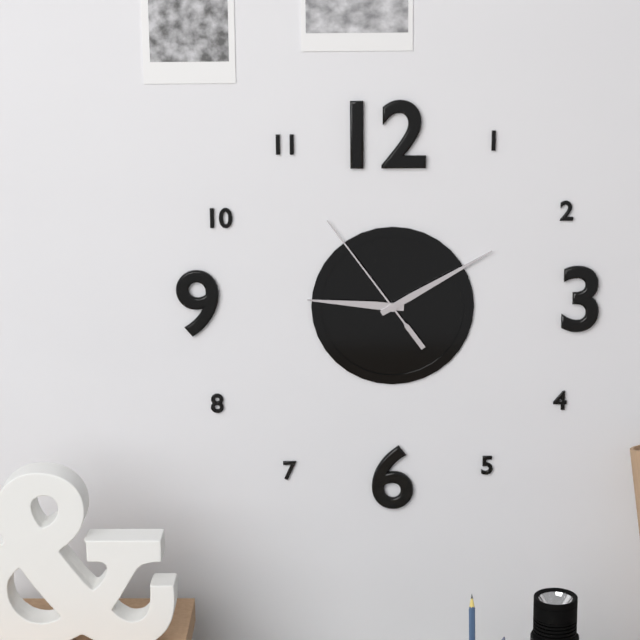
9:10:54
